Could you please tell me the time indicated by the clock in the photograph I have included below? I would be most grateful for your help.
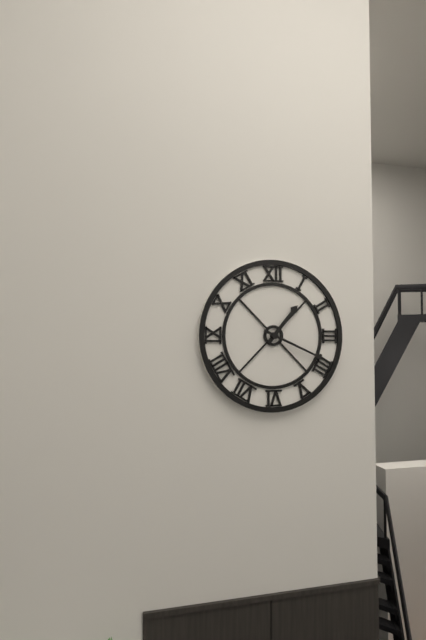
1:19
